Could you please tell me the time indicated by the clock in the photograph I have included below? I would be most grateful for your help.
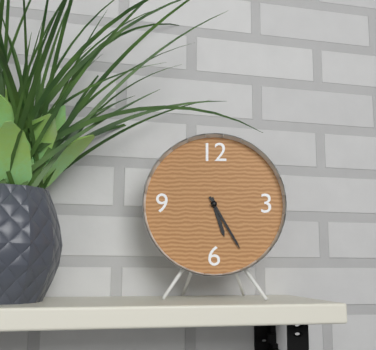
5:25
